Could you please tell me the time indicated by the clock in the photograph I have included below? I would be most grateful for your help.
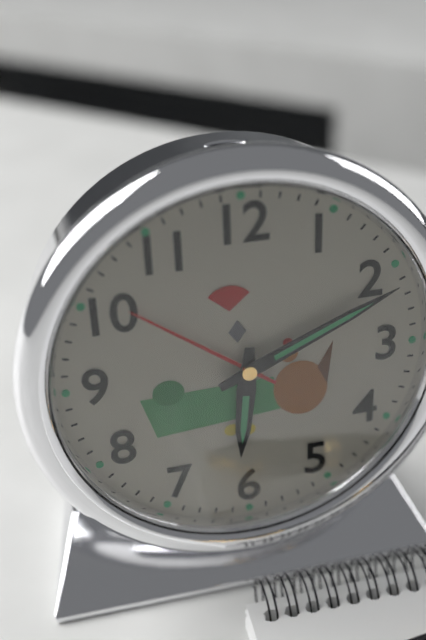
6:11
